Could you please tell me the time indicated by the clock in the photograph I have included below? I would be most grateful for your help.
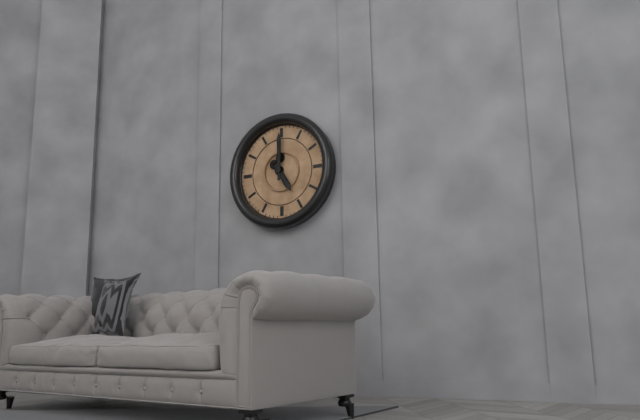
5:00
